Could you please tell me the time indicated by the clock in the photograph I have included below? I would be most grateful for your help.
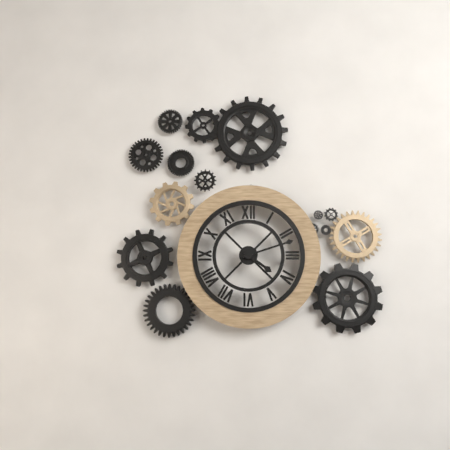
4:12
